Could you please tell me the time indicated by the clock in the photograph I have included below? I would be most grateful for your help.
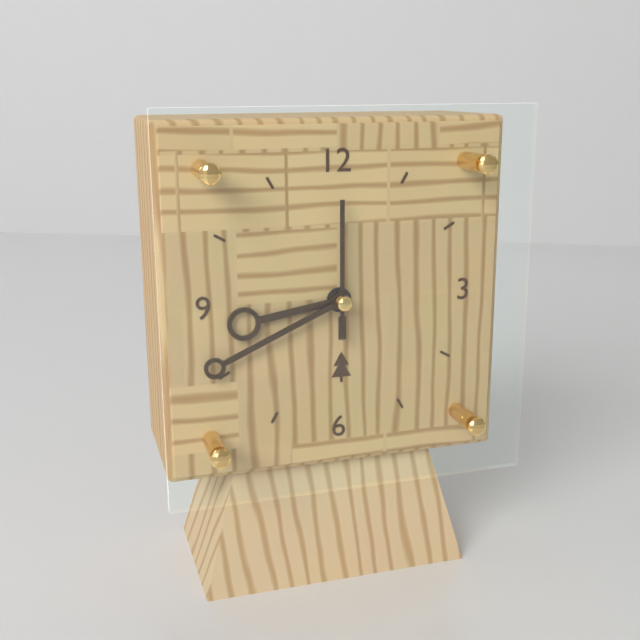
8:41:00
